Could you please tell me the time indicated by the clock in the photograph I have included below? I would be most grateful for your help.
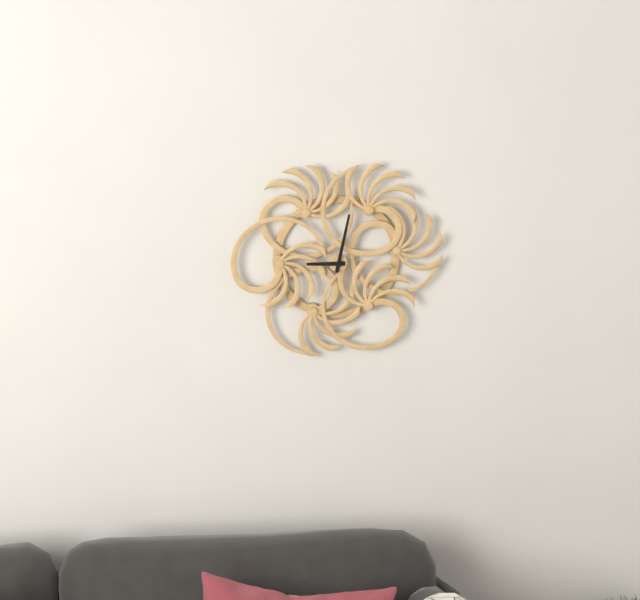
9:02
